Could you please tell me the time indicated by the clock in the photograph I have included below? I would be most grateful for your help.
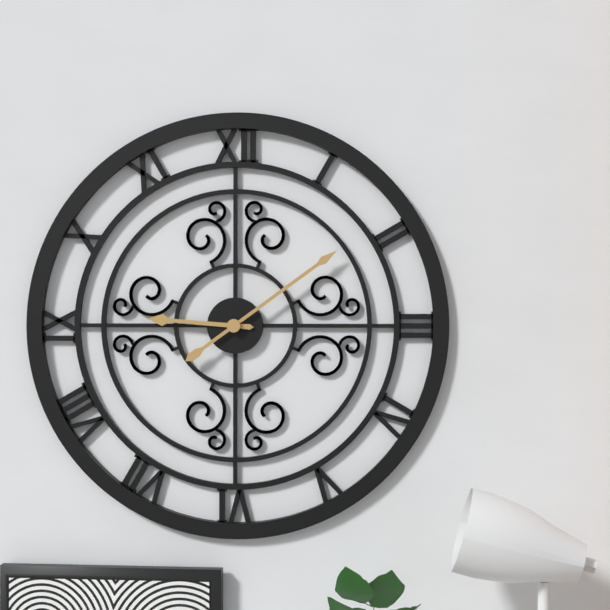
9:09
